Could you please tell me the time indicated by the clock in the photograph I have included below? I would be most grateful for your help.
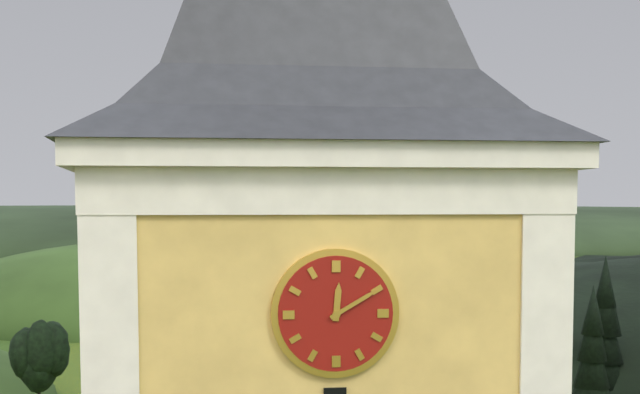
12:10
